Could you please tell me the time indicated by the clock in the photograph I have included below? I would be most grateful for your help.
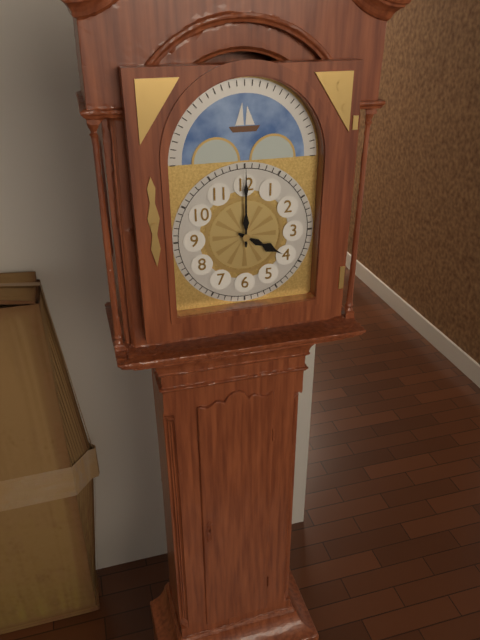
4:00
